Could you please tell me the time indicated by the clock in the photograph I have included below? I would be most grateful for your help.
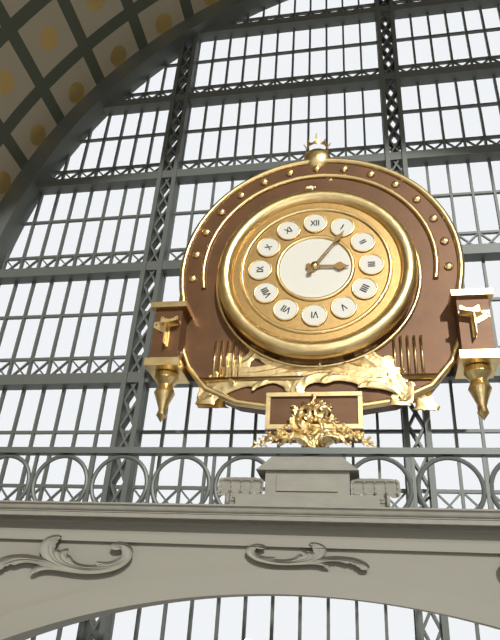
3:06
